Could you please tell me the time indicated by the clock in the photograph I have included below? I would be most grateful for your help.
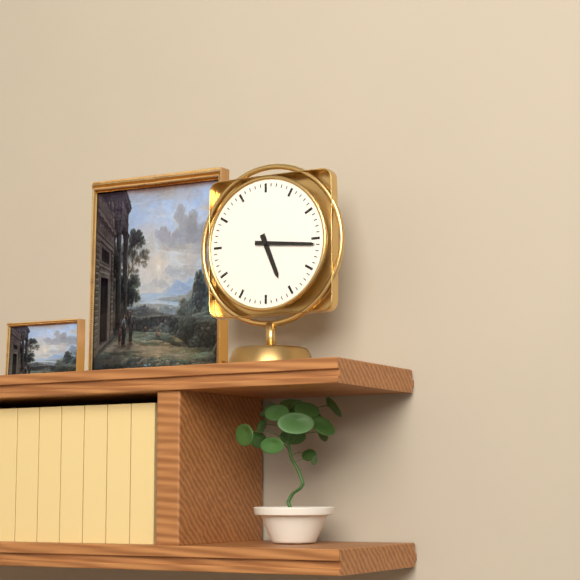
5:16
